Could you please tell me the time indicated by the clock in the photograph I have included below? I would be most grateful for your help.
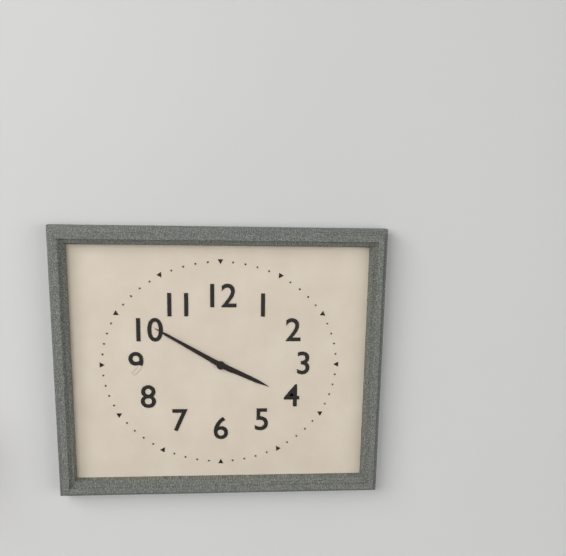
3:50
